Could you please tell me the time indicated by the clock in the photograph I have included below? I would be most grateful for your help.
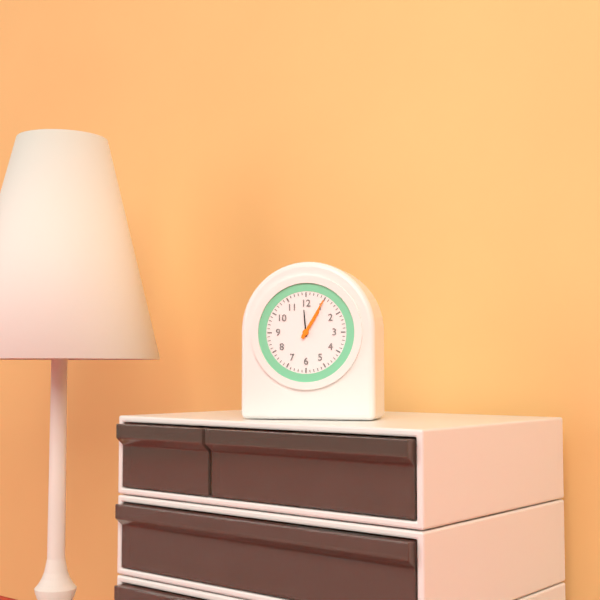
1:05
